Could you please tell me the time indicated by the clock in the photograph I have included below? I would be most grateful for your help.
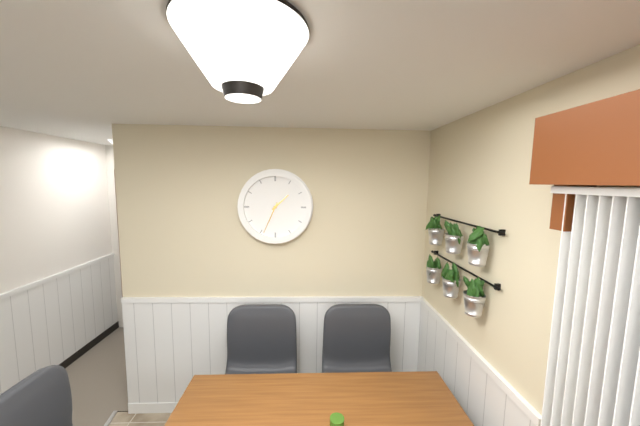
1:34
